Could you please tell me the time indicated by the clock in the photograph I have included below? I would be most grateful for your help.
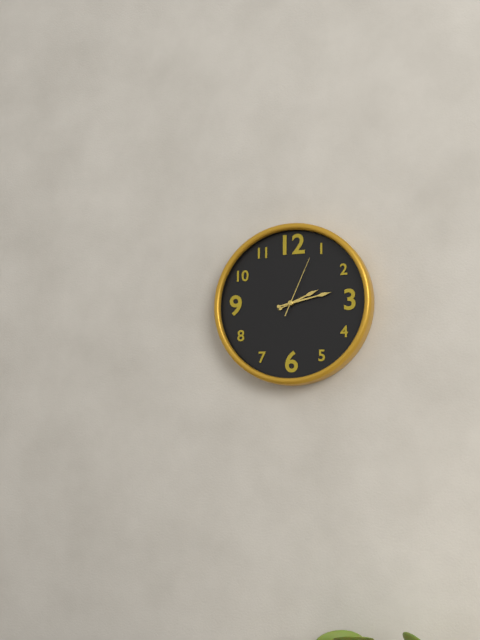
2:13:04
